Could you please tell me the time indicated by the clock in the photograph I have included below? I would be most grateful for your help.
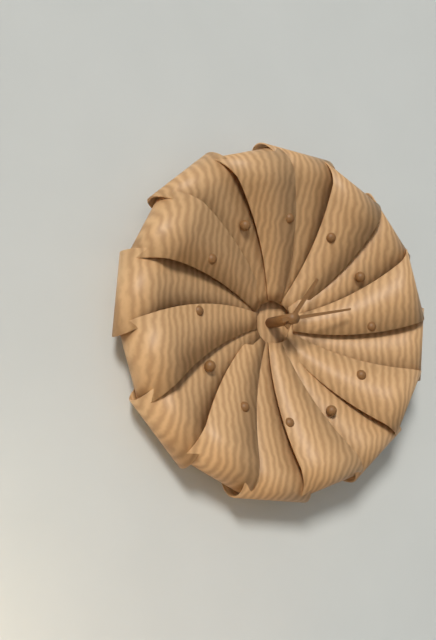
1:13
